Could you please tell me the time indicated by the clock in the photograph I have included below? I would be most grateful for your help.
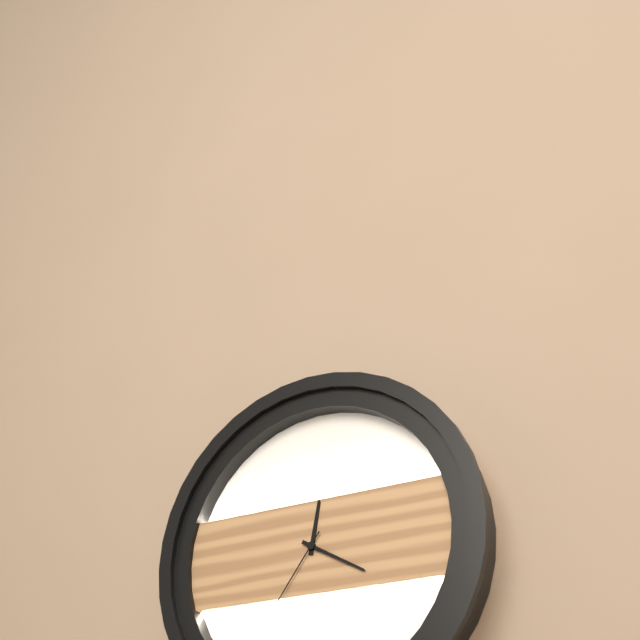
12:20:36
